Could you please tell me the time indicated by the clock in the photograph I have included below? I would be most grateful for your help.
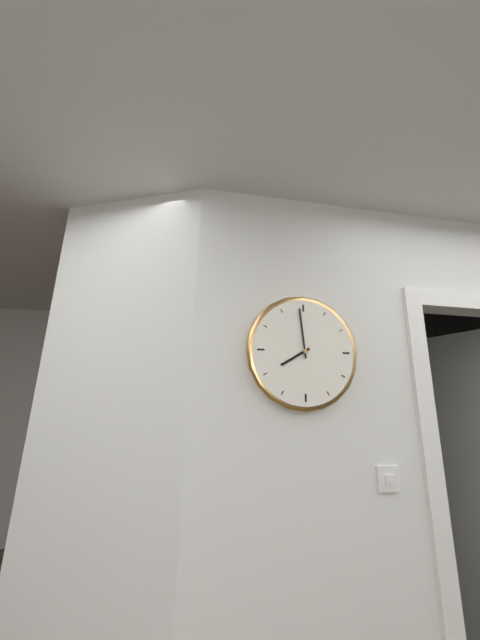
7:59
